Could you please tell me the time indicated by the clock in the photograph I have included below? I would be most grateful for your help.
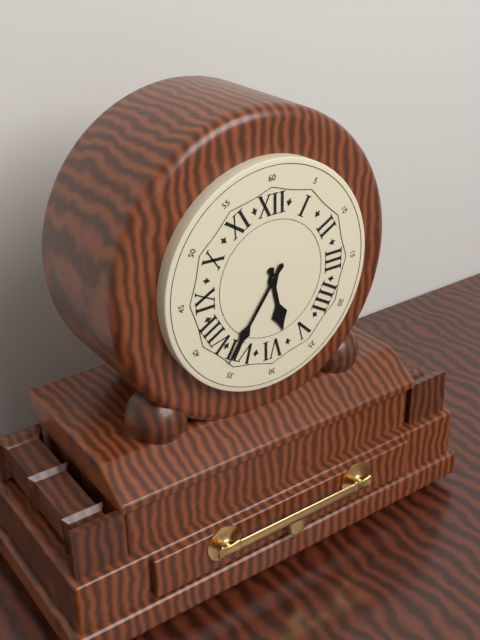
5:36
